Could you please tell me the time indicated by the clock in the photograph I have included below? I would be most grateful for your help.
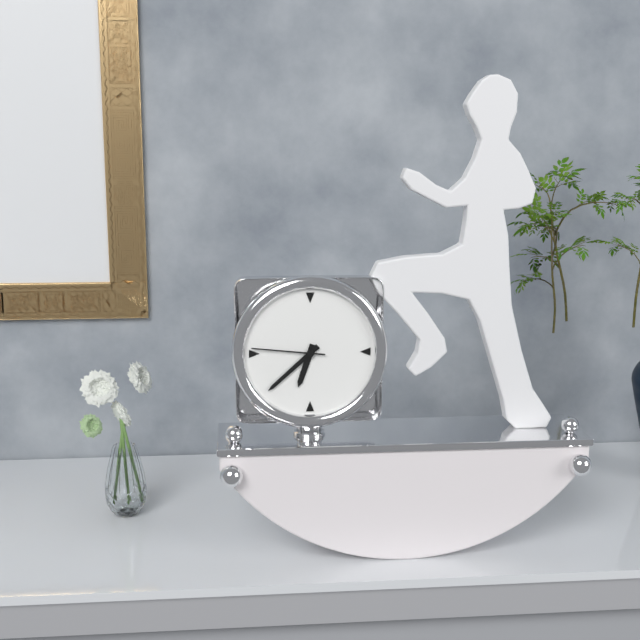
6:38:46
